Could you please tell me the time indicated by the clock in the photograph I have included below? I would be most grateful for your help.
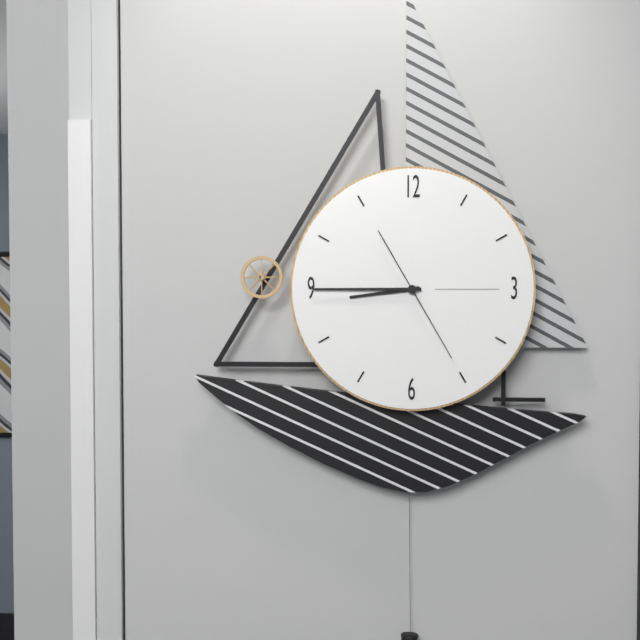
8:45:25
